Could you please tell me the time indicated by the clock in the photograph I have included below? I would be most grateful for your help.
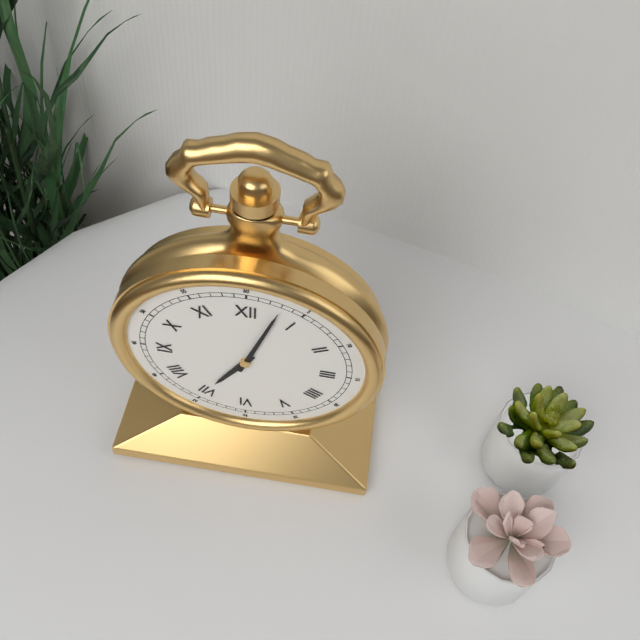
7:03
